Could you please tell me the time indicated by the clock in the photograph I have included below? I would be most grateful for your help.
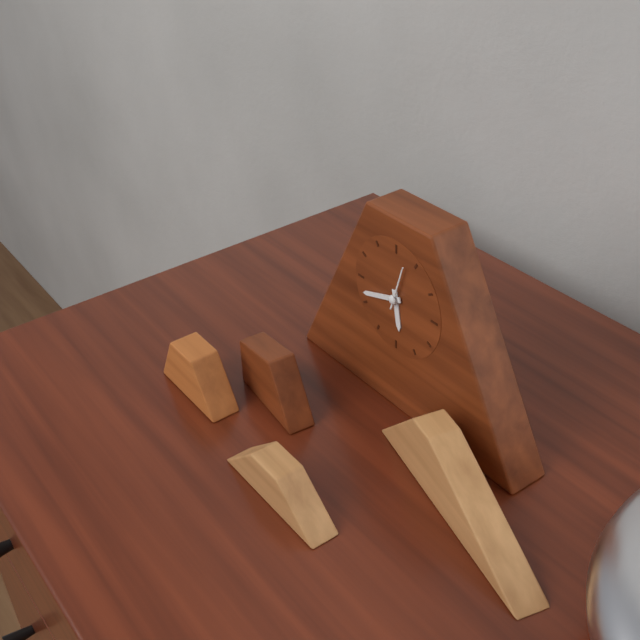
5:42
